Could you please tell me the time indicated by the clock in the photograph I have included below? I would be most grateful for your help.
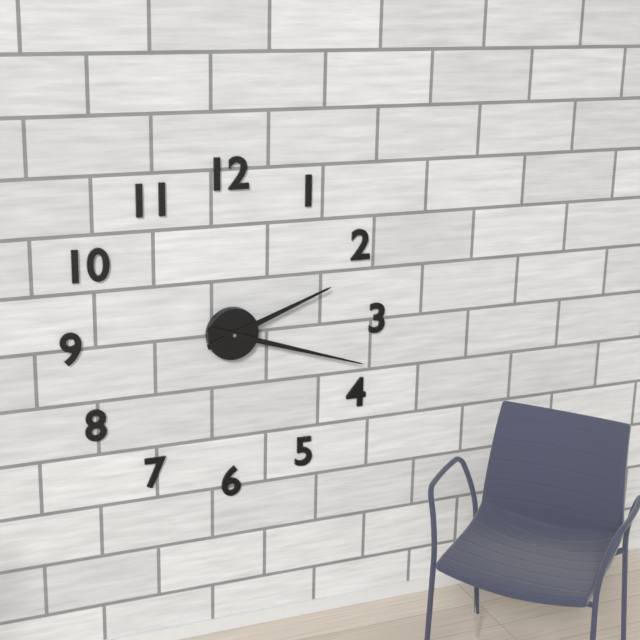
2:18
